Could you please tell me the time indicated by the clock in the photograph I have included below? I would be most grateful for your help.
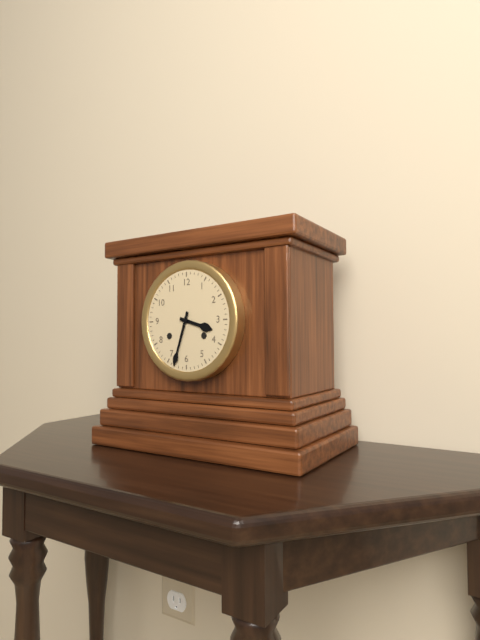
3:33
